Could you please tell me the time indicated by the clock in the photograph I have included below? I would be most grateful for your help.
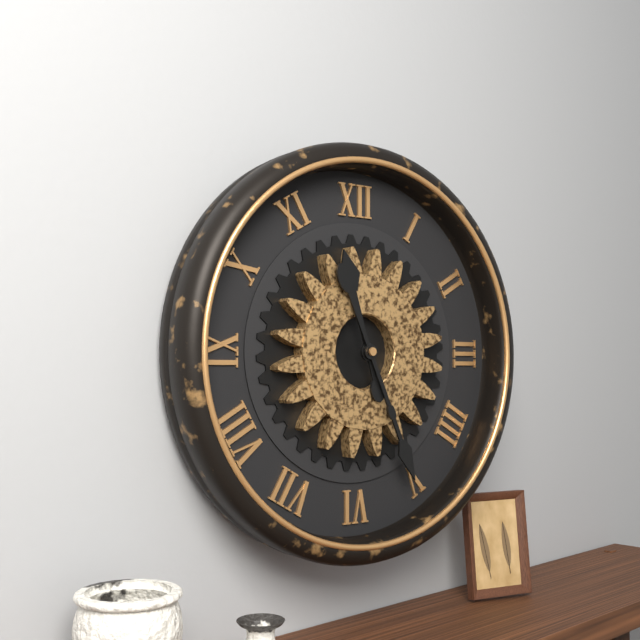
11:26
